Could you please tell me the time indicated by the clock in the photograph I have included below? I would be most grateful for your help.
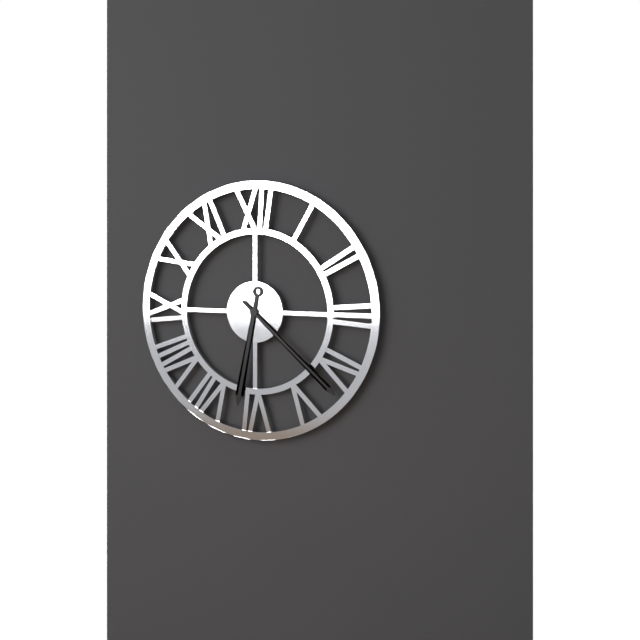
6:22
